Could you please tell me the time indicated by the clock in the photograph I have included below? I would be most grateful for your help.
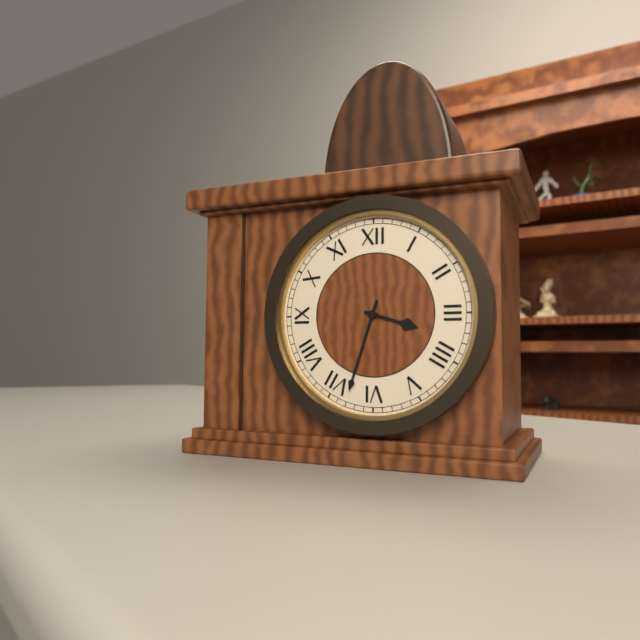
3:33
